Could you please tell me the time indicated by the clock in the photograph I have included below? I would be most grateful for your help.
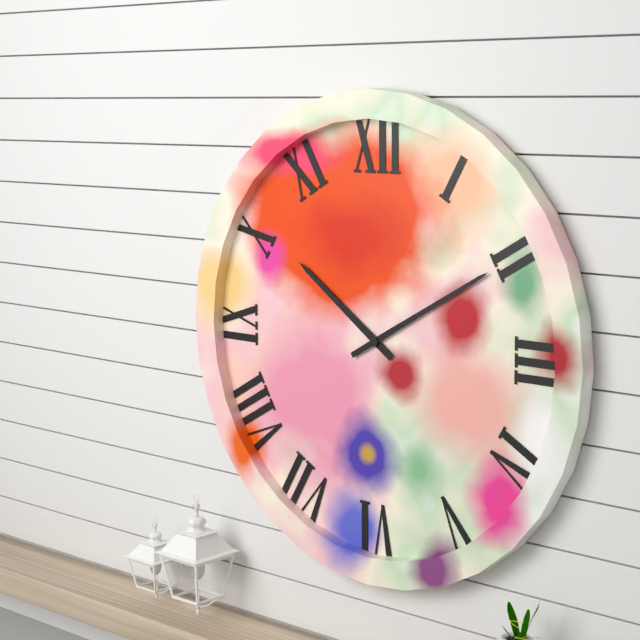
10:10
